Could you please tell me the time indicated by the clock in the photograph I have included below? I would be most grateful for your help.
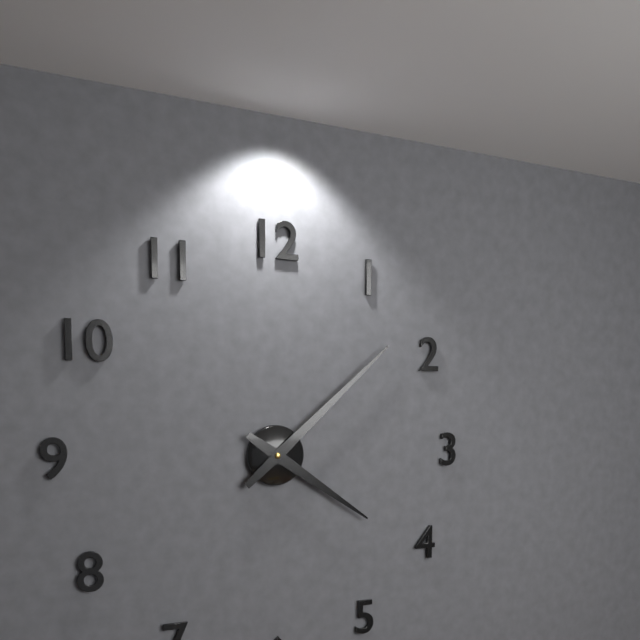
4:08
